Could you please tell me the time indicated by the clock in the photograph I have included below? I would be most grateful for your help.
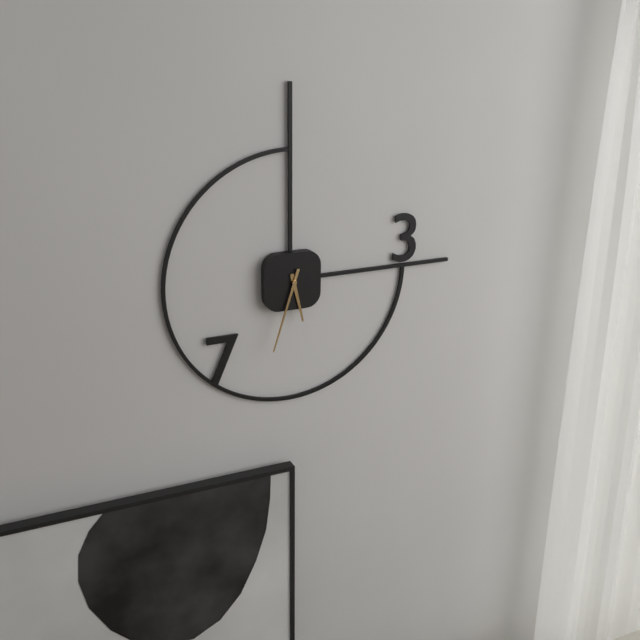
5:33
